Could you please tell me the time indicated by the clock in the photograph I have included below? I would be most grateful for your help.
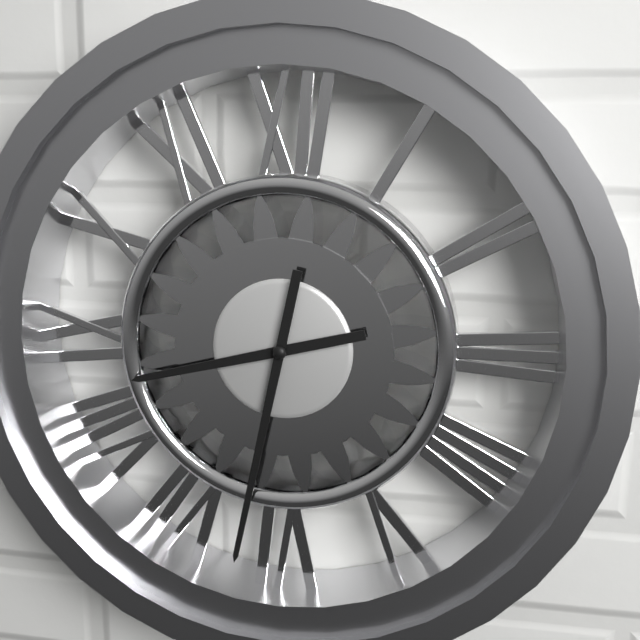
8:32
